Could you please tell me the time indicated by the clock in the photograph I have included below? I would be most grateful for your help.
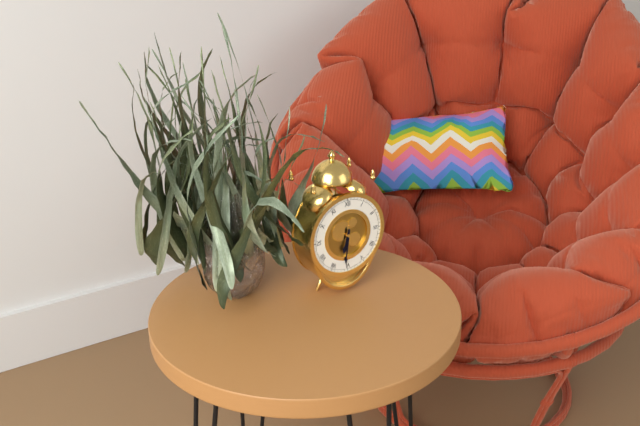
6:31
